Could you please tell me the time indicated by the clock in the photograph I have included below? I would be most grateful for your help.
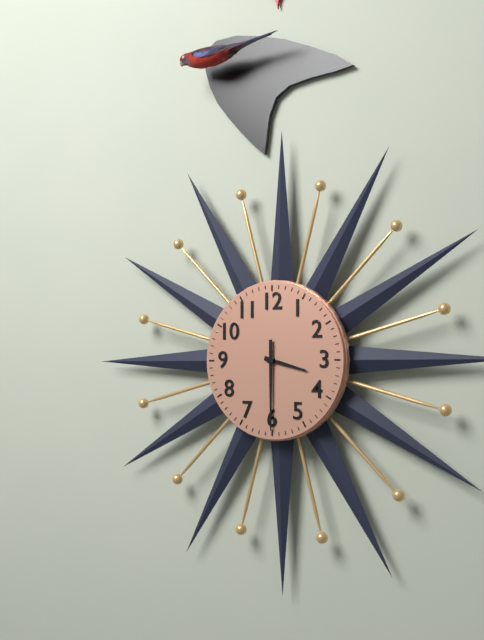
3:30
